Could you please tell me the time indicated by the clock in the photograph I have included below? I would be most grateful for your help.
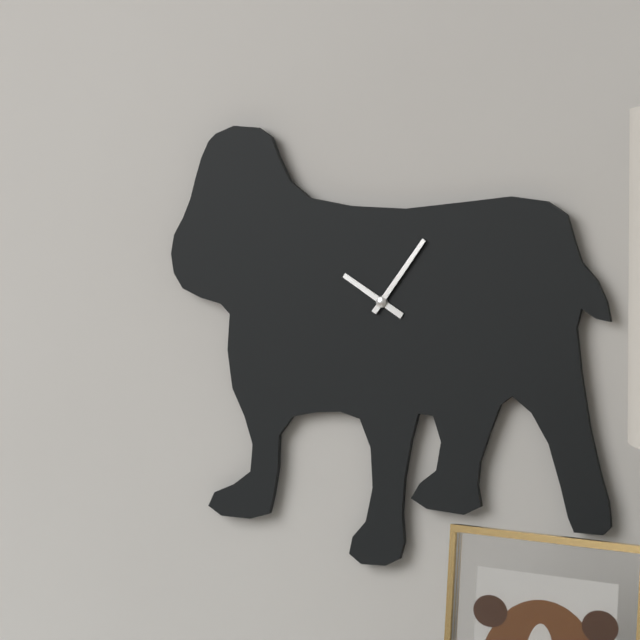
10:06
